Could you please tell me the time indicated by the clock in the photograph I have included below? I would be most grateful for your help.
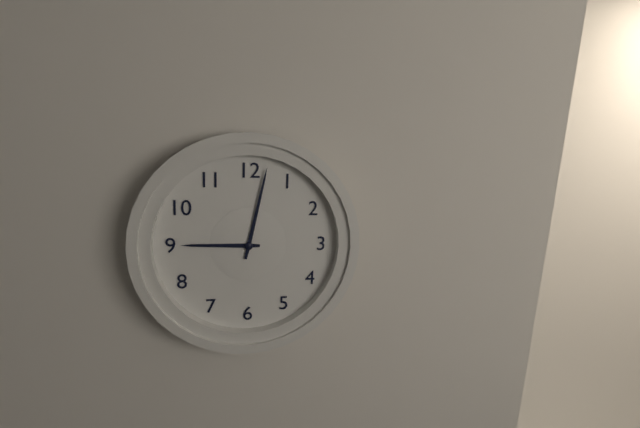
9:02
